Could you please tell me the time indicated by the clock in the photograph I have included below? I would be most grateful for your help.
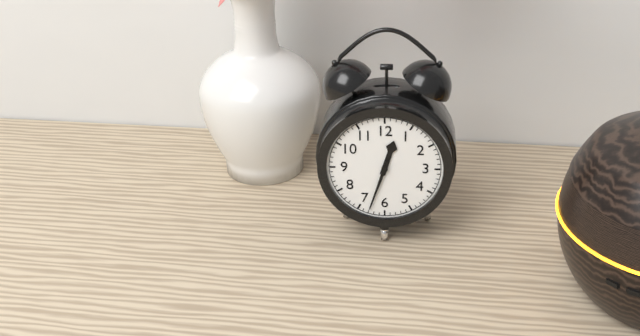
12:33
